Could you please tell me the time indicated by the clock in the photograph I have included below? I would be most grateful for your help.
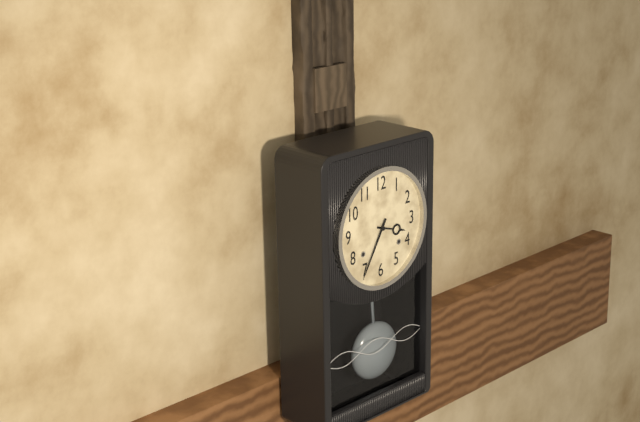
3:35
